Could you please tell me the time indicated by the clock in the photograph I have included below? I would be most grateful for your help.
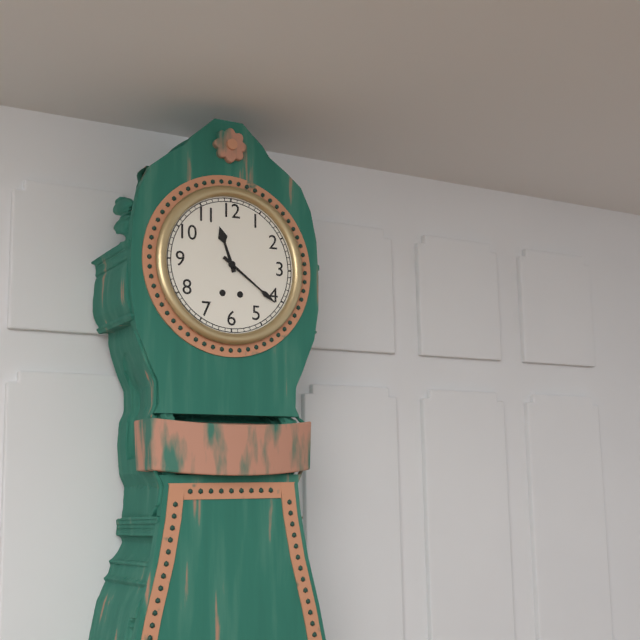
11:21
